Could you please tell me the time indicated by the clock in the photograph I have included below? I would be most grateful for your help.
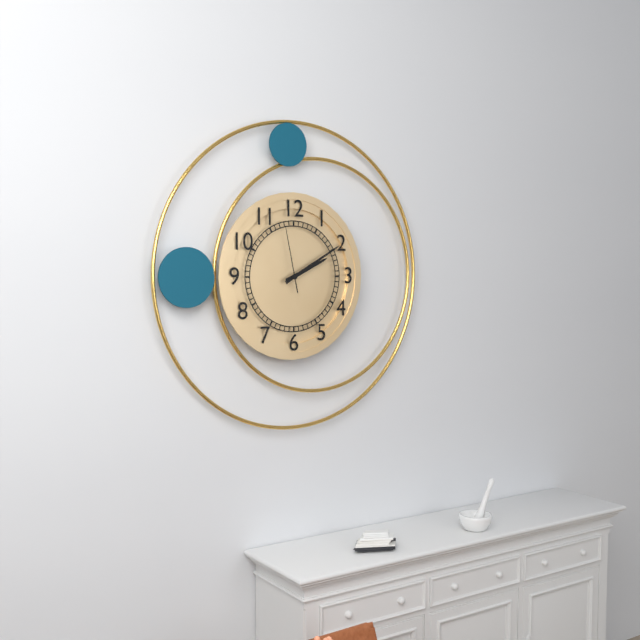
2:10:58
